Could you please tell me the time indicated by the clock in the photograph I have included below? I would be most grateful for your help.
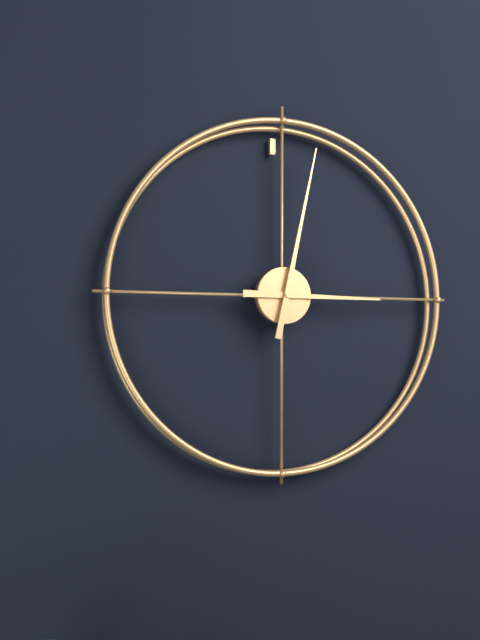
3:02
